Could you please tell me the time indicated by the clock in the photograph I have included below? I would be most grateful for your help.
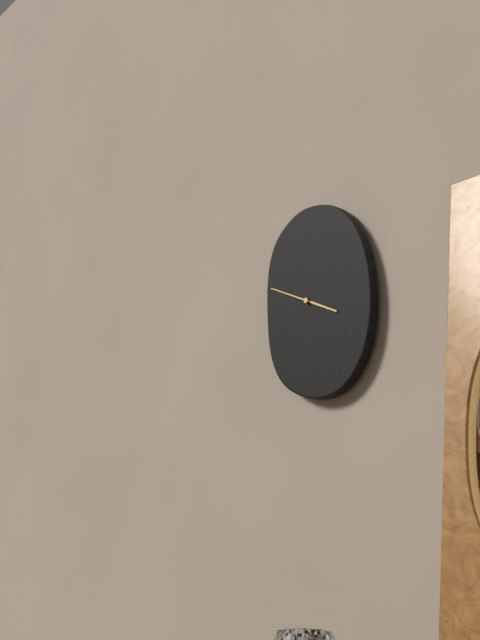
3:49
